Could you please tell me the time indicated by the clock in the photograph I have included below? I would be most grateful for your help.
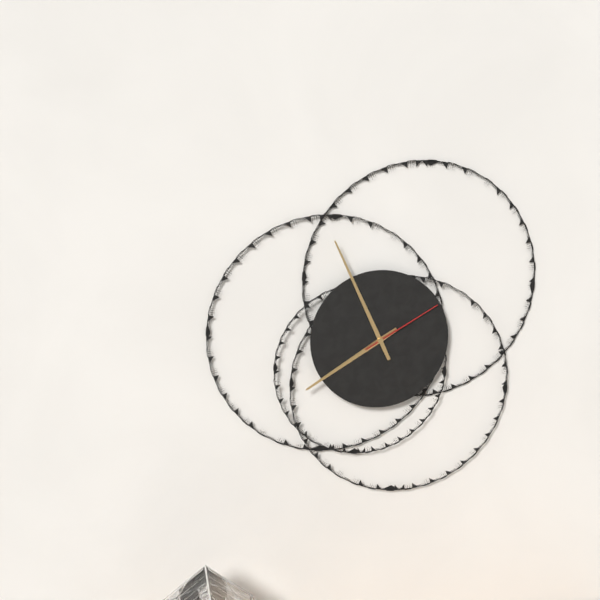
7:56:10
